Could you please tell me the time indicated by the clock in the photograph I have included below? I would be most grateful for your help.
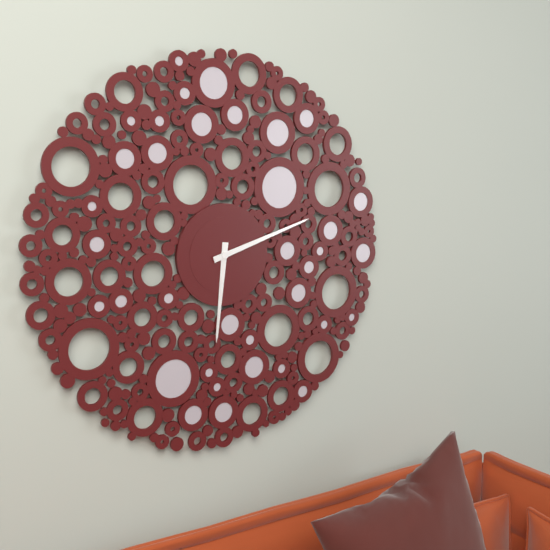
6:12
